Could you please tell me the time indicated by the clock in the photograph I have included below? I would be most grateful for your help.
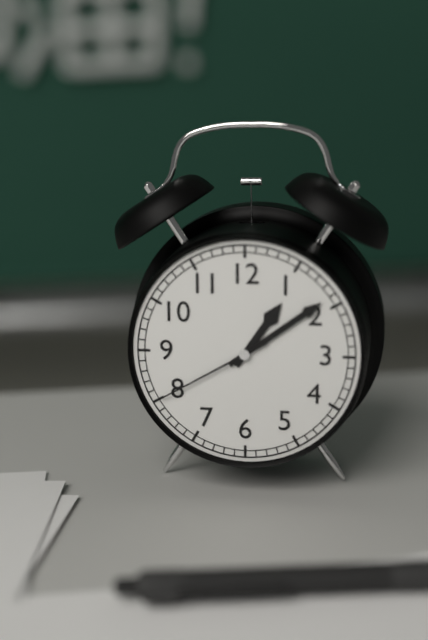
1:09:40
